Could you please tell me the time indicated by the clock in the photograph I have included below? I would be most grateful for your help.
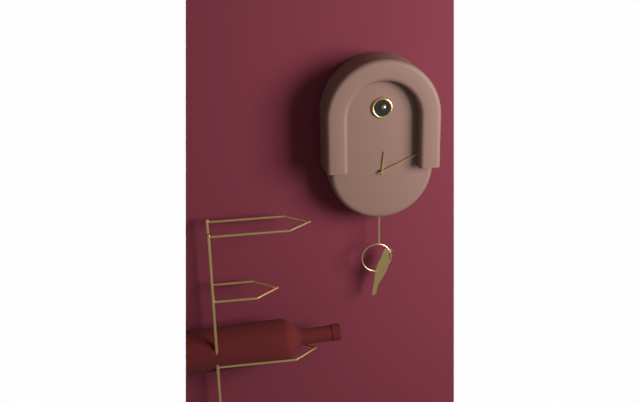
12:11
